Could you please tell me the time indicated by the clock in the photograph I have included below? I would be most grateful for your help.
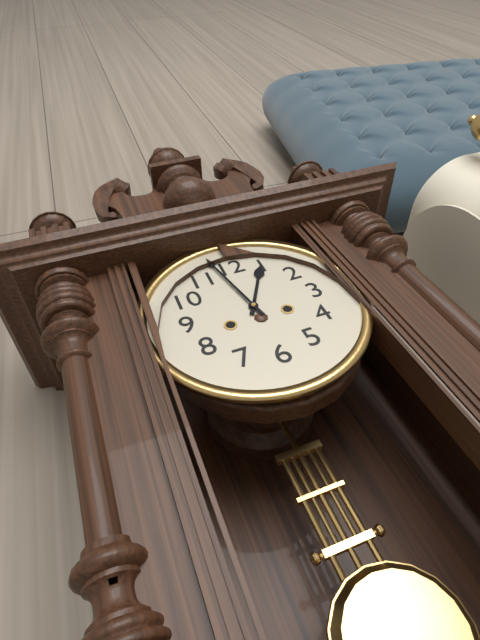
12:58
